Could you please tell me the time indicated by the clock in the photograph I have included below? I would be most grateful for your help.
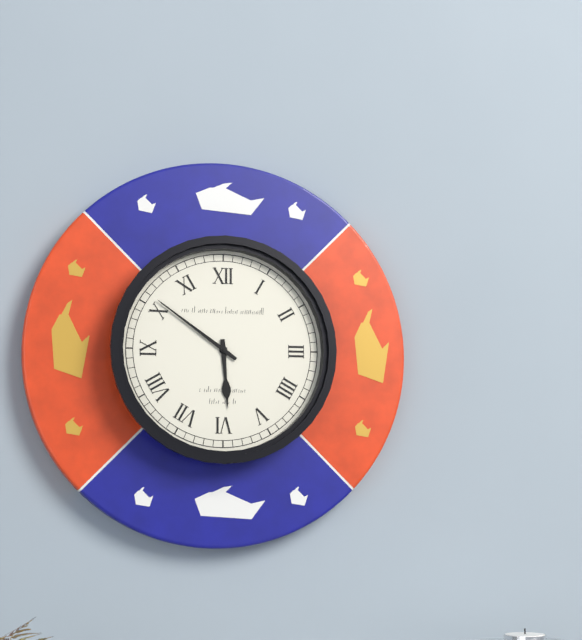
5:51
